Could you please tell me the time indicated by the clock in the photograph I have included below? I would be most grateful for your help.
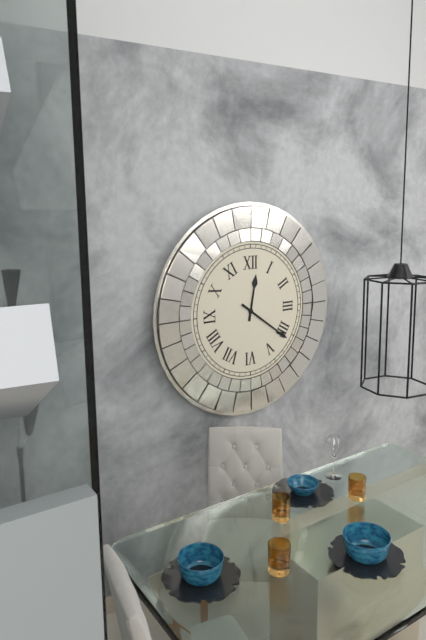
12:21
